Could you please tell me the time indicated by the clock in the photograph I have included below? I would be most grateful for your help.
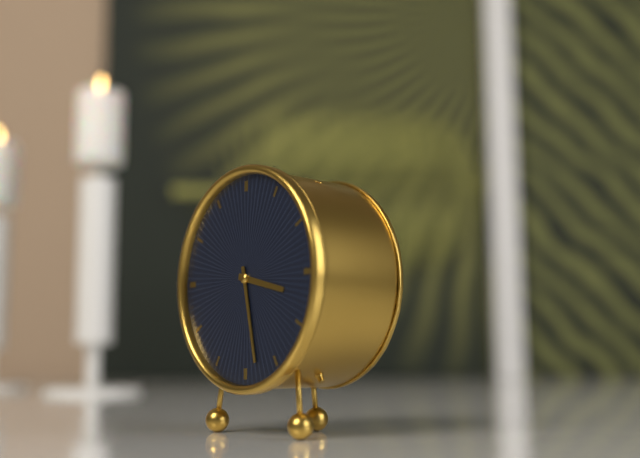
3:28
